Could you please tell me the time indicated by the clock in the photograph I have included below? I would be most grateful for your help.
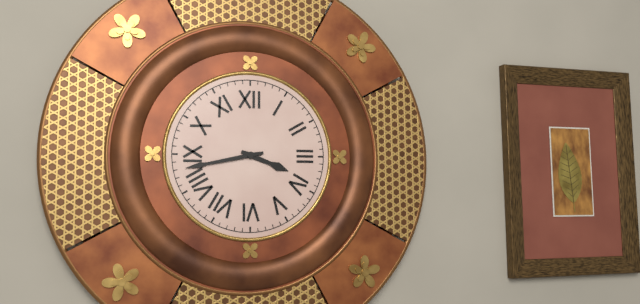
3:43
